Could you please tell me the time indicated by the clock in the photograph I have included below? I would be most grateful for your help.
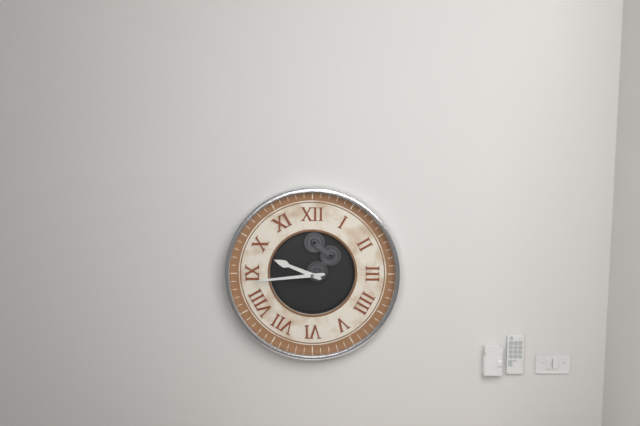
9:44
